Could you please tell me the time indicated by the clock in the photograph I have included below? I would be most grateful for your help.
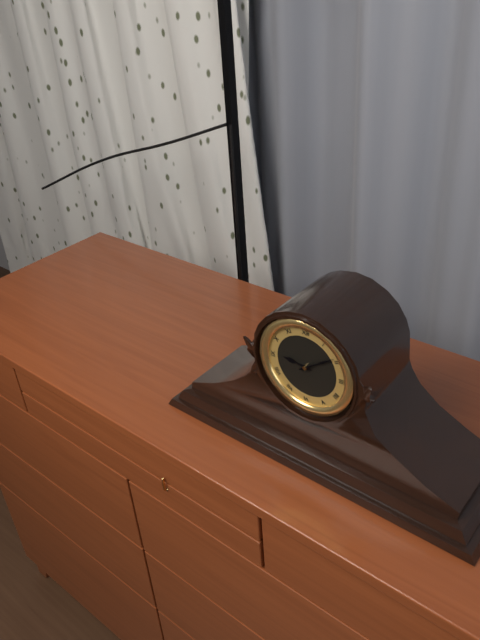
9:09
